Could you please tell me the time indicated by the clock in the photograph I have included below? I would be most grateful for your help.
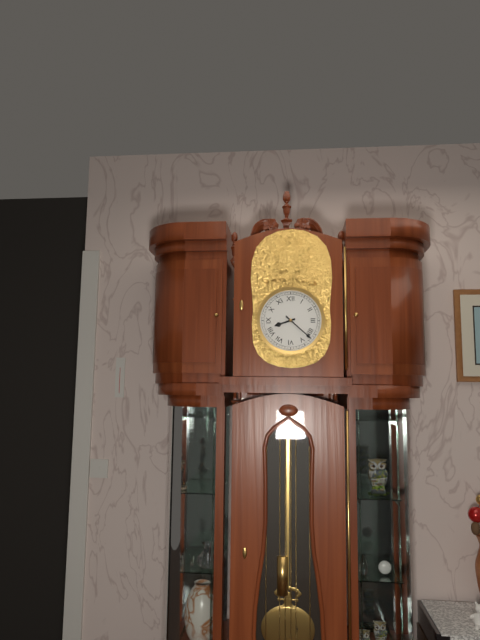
8:22
